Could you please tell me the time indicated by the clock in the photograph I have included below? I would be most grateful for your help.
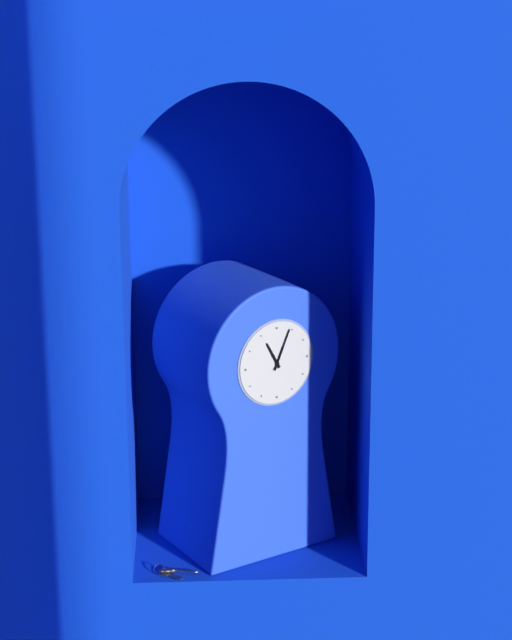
11:04
